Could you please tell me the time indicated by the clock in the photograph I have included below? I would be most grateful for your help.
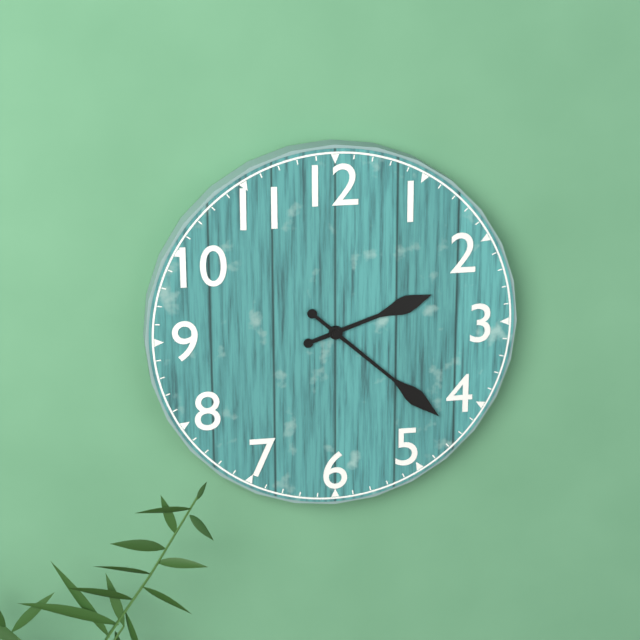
2:22
